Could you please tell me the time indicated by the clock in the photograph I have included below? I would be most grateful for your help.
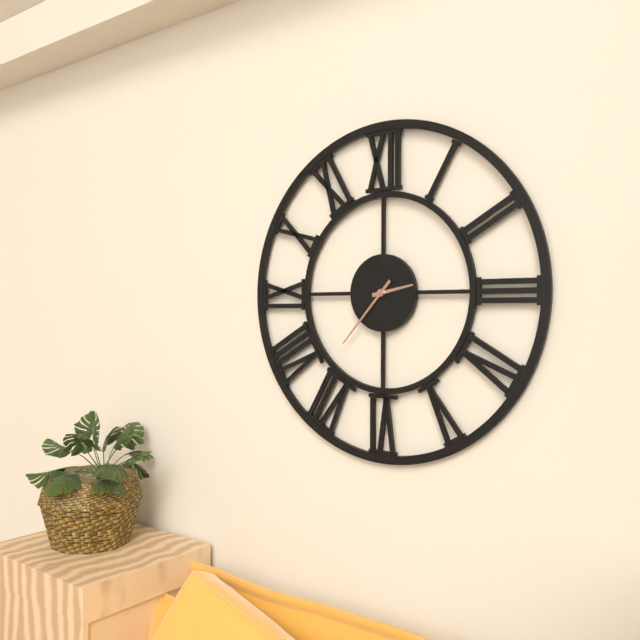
2:37
